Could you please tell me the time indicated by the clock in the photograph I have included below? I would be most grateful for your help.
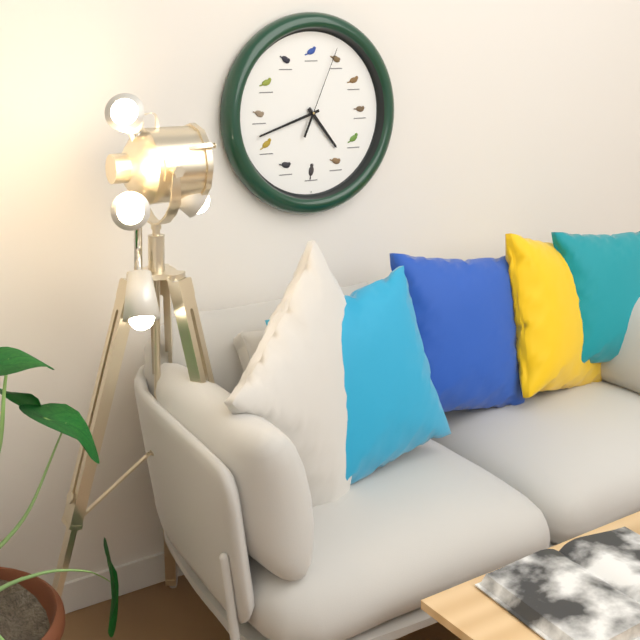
4:42:04
